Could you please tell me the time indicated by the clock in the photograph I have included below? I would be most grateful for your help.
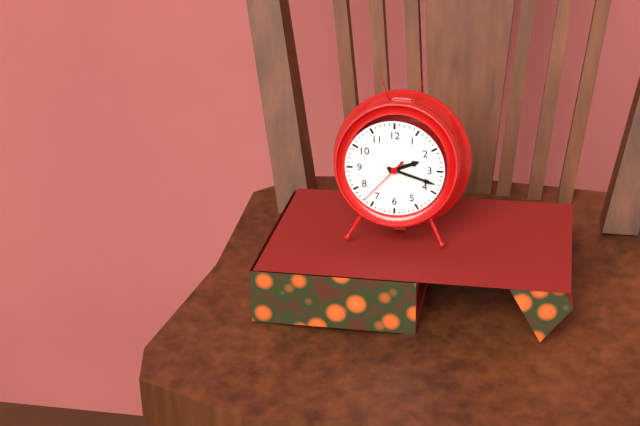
2:18:37
